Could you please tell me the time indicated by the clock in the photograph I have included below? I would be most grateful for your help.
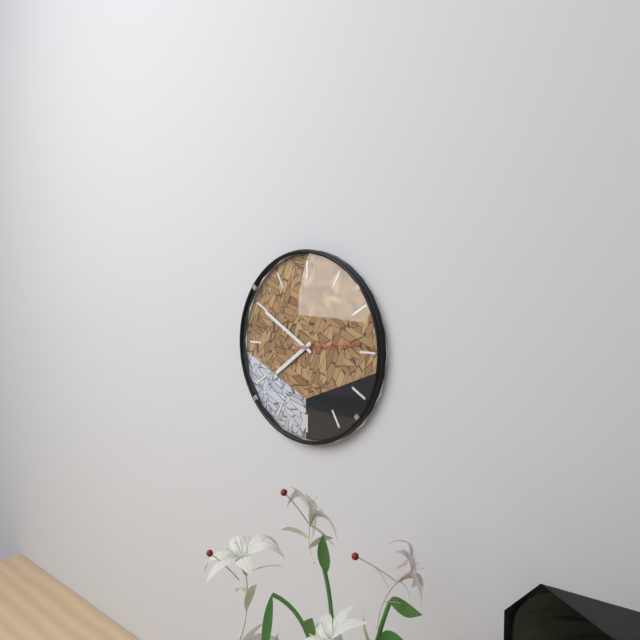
7:50:14
